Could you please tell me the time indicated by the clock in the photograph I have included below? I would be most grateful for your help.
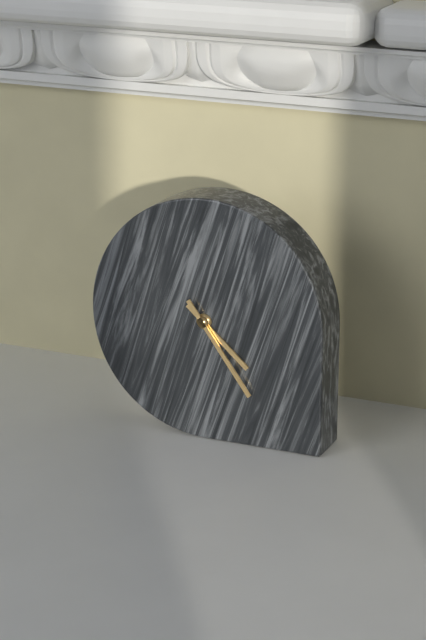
4:24
